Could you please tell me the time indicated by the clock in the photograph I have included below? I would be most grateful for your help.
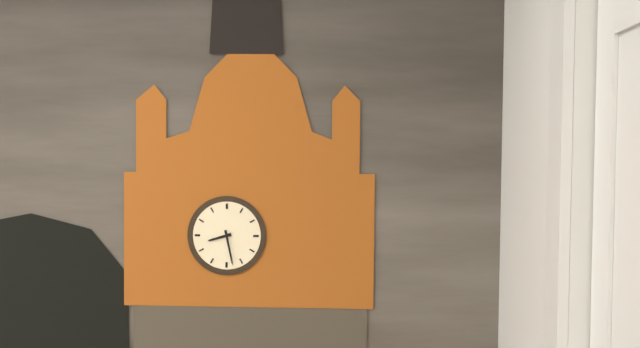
8:28
